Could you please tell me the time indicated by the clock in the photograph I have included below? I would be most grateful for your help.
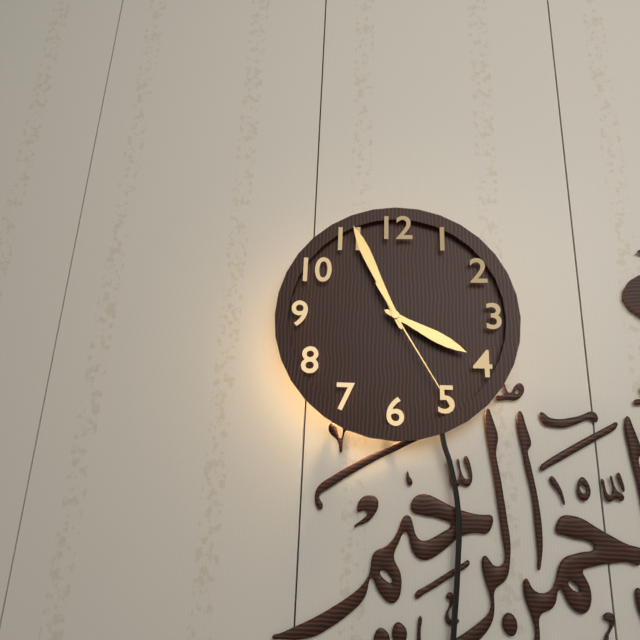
3:56:25
